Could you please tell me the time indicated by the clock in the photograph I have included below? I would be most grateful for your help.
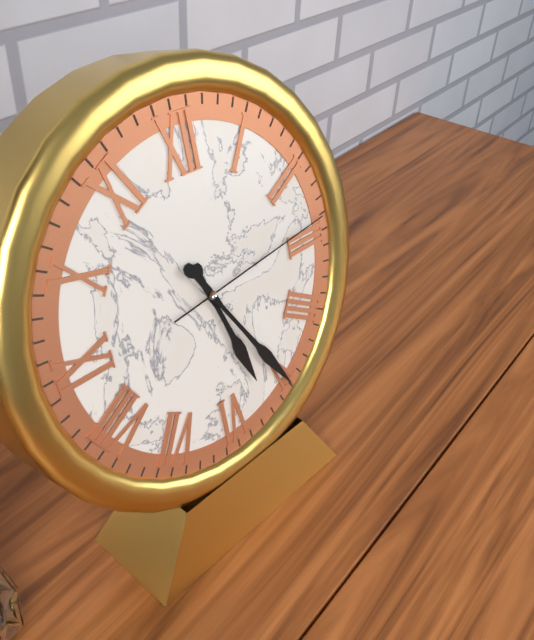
5:25:14
